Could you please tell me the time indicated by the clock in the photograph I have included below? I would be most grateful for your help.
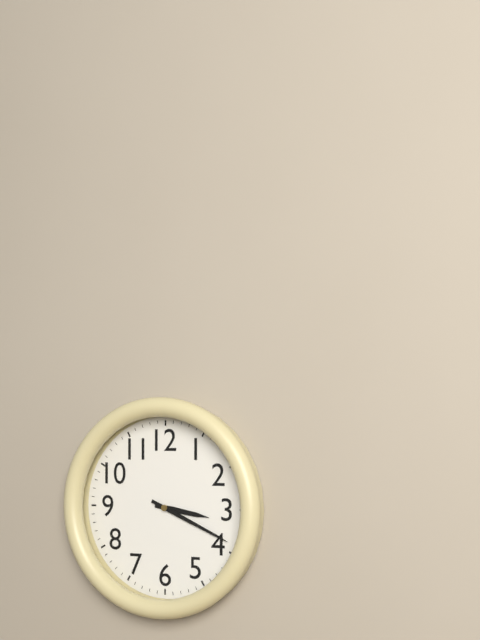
3:19
